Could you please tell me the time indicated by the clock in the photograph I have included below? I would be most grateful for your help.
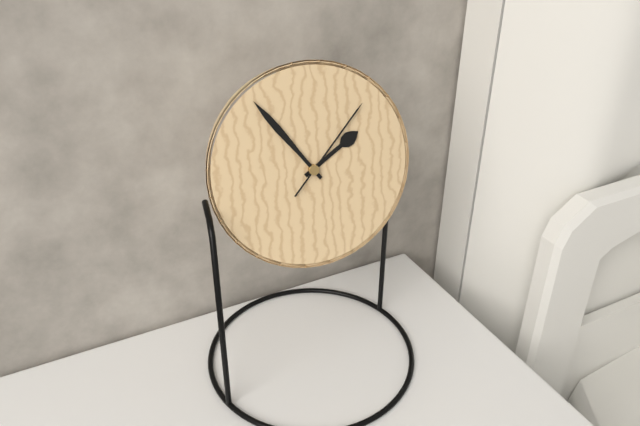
1:54:07
